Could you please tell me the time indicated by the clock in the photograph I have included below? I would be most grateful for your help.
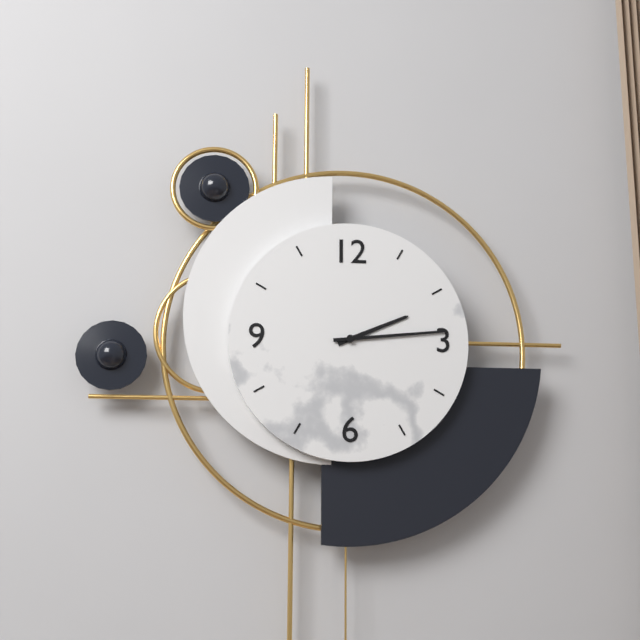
2:14
